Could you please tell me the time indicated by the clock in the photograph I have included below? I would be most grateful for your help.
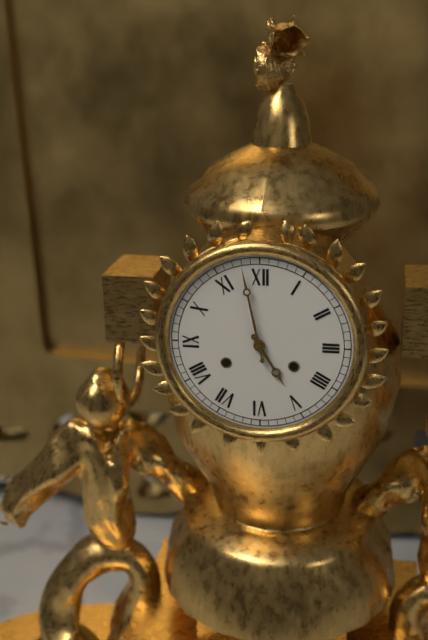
4:58
